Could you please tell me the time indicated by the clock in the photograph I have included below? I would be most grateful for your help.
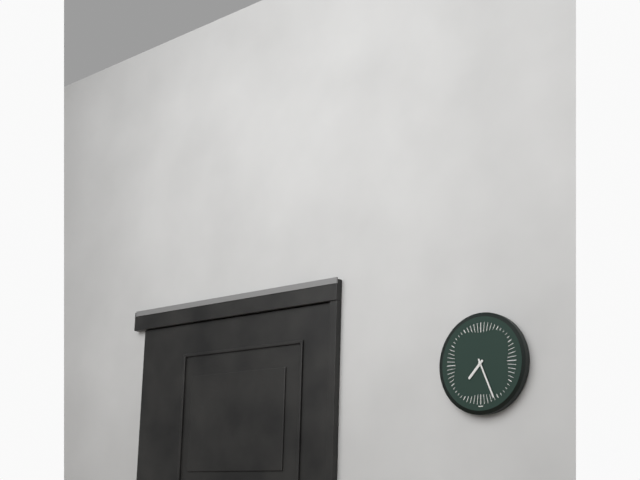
7:26
